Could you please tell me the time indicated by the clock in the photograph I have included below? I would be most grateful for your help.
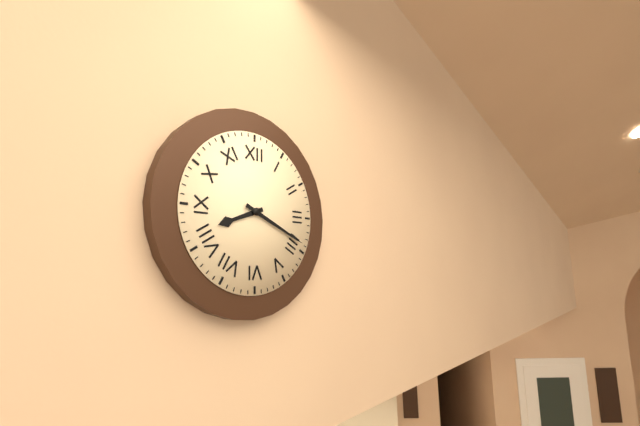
8:19
